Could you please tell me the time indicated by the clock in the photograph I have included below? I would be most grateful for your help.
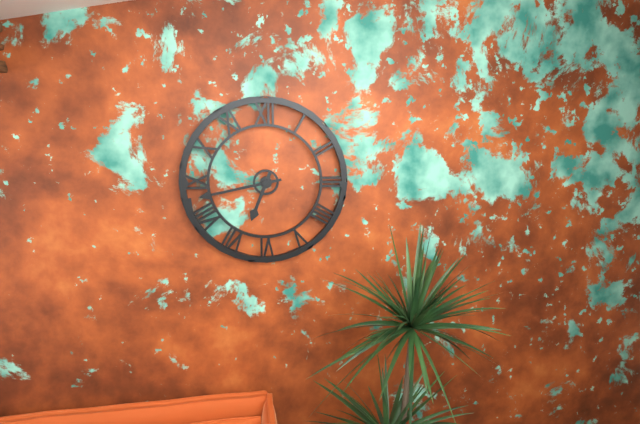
6:43
